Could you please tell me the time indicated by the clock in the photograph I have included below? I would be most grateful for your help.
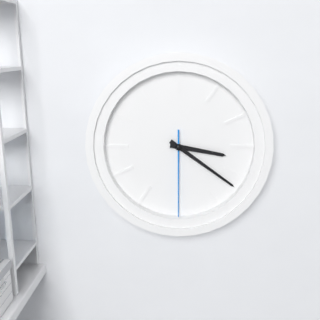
3:21:30
